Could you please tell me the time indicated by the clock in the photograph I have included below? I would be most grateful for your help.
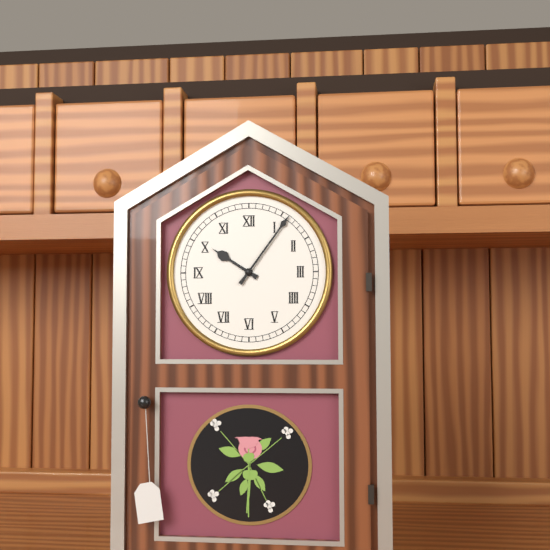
10:06
